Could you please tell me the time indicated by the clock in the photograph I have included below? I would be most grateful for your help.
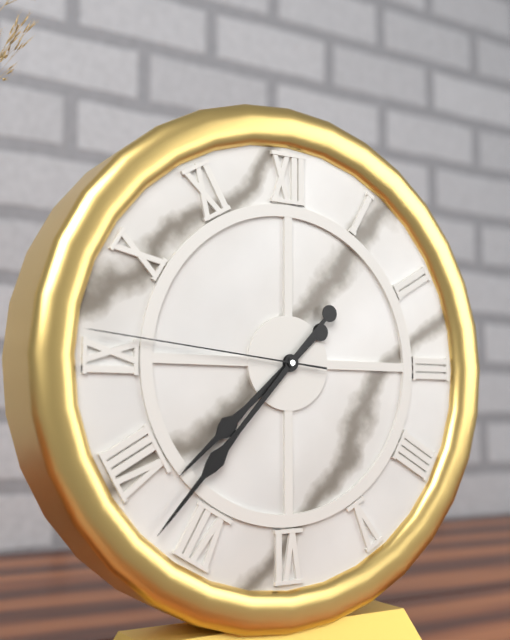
7:37:46
